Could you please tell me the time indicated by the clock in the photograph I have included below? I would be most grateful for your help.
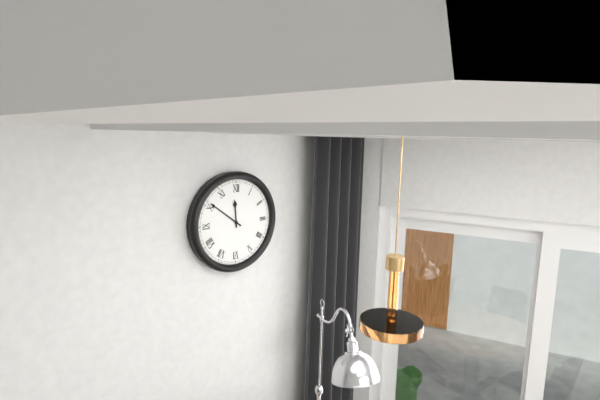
11:51
